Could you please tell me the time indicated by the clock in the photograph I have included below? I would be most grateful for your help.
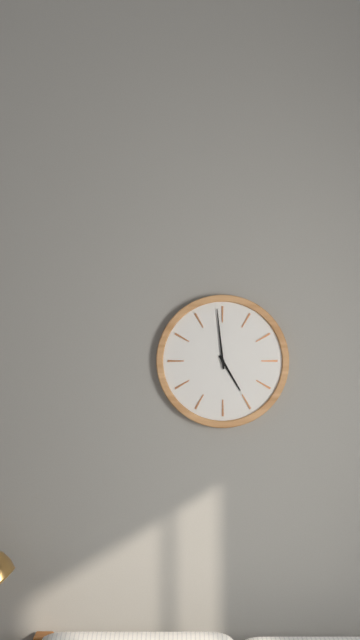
4:59
